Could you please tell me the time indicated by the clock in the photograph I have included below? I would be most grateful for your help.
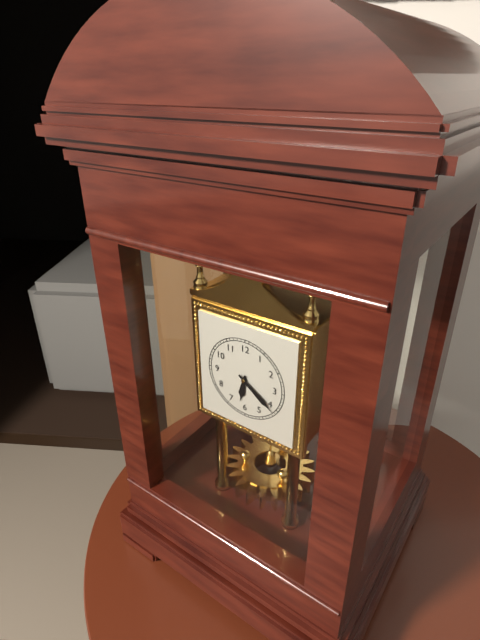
6:21
